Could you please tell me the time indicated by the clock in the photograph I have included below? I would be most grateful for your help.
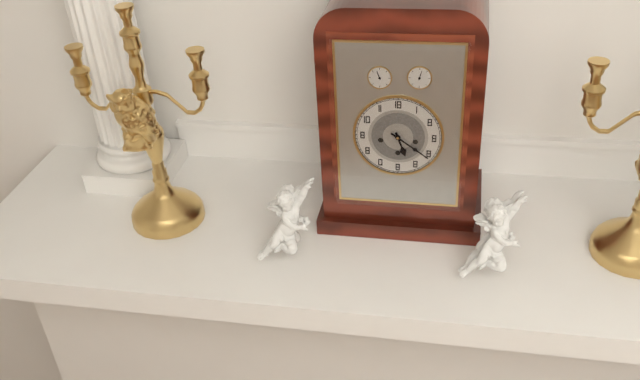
5:21
